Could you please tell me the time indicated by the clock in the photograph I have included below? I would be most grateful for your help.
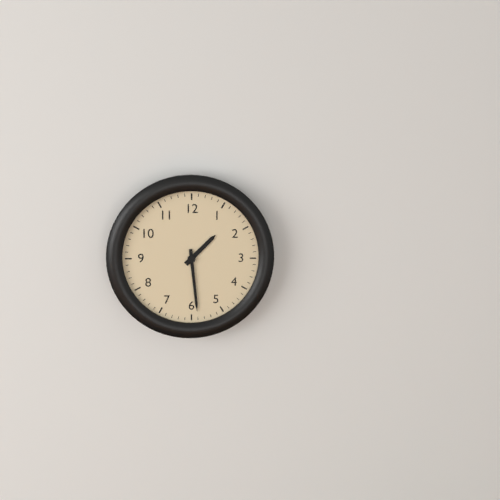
1:29
